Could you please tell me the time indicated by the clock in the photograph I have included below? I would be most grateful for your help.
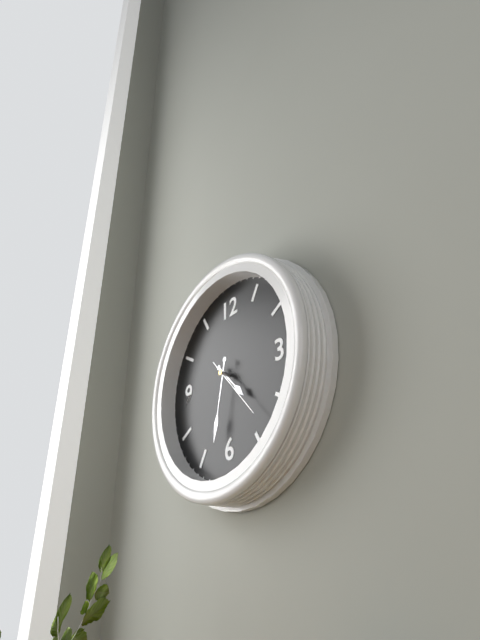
4:32:23
